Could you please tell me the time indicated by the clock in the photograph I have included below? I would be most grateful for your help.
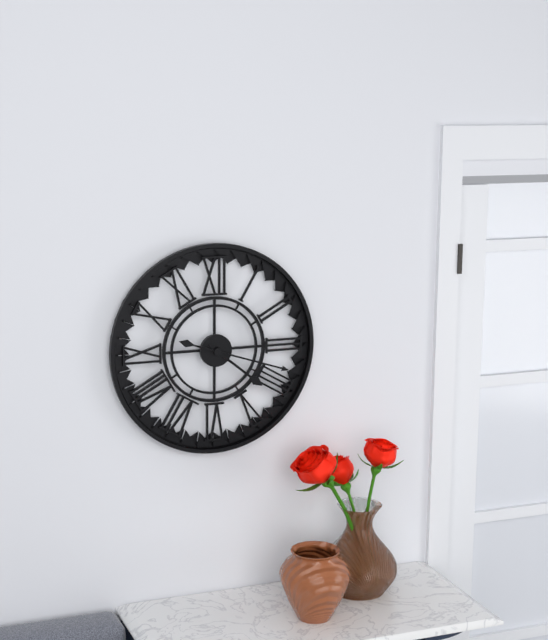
4:18
